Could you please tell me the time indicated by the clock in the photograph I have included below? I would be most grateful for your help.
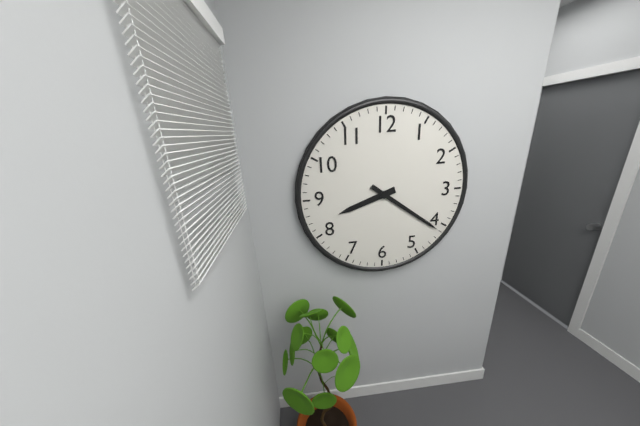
8:21
